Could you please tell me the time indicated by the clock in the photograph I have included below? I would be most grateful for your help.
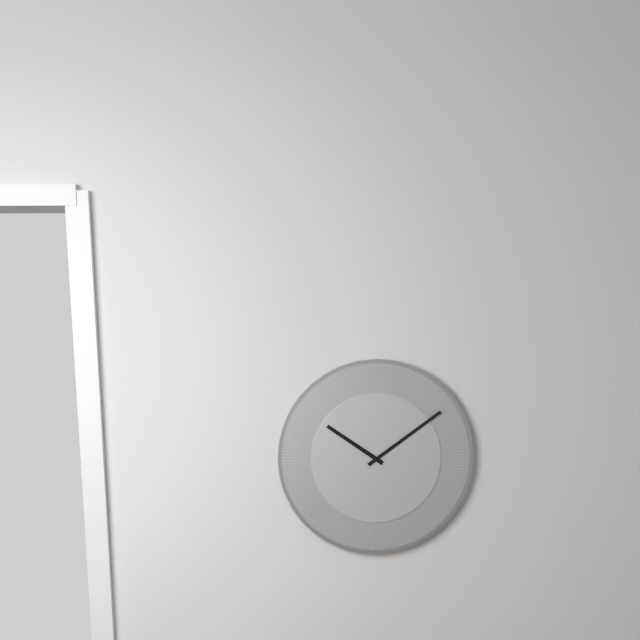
10:09
